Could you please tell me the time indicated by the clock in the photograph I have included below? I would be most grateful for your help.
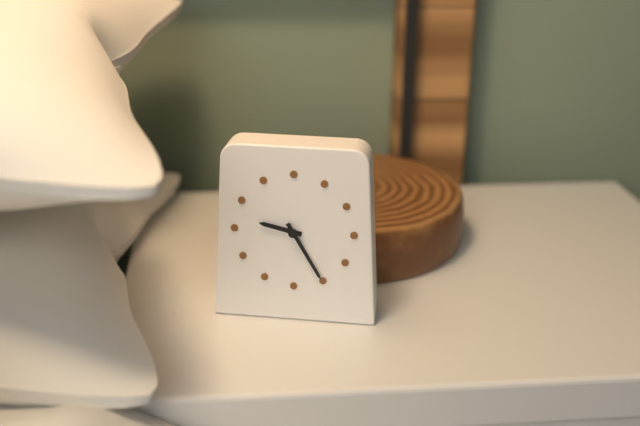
9:25
